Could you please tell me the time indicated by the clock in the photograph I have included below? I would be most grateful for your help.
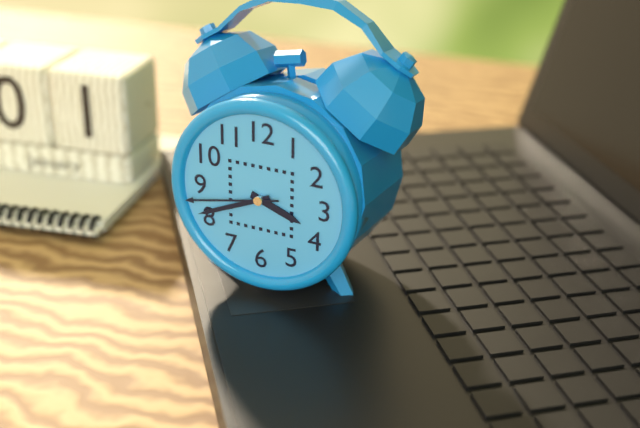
3:41:43
